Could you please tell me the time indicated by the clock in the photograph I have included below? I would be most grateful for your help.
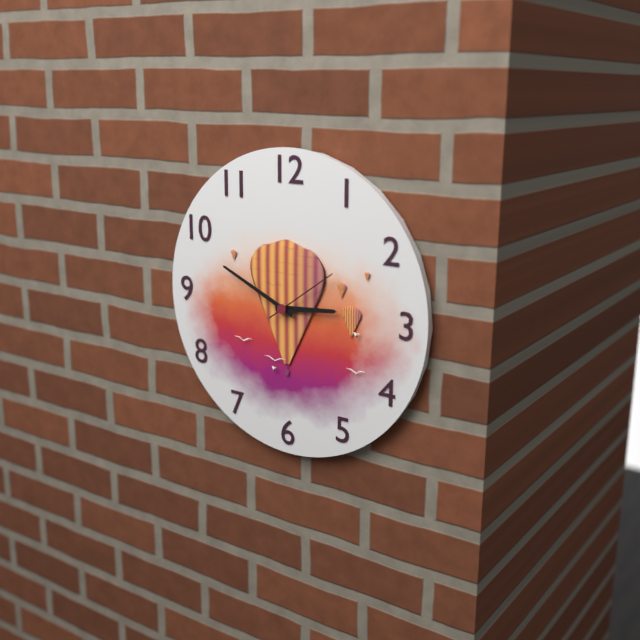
2:49:09
